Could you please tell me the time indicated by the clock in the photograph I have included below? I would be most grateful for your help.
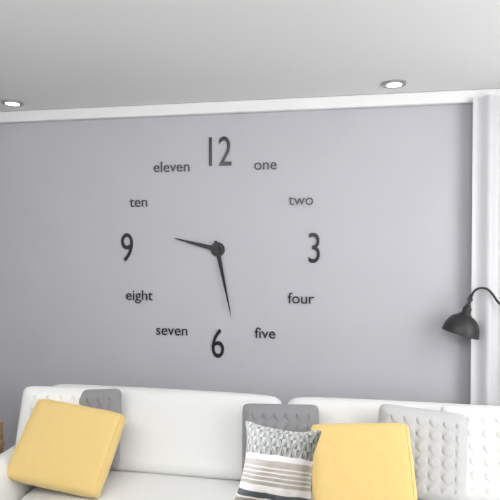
9:28
